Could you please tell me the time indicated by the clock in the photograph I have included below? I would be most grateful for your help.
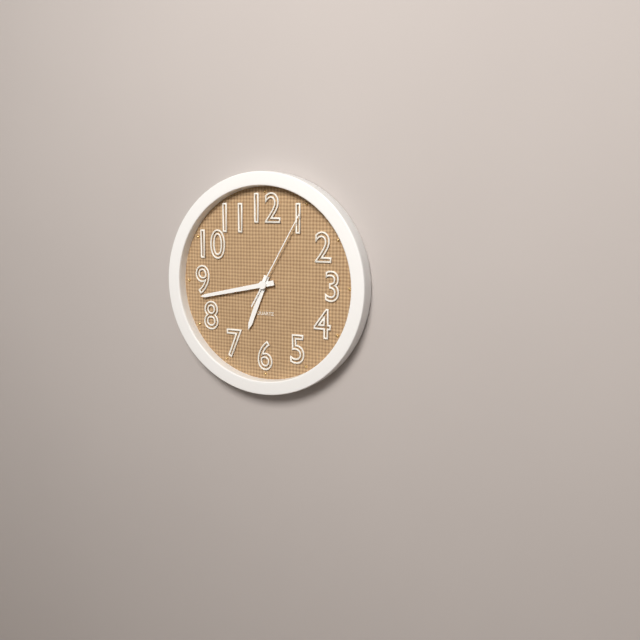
6:43:05
